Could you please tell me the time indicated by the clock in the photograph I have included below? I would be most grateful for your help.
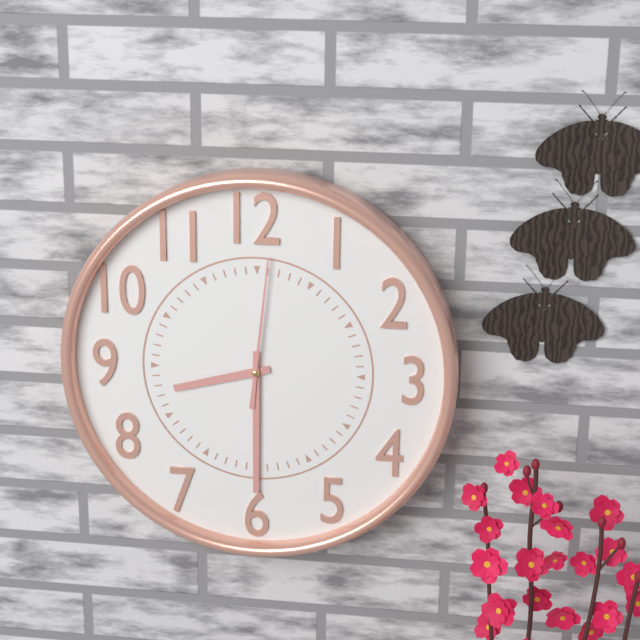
8:30:01
